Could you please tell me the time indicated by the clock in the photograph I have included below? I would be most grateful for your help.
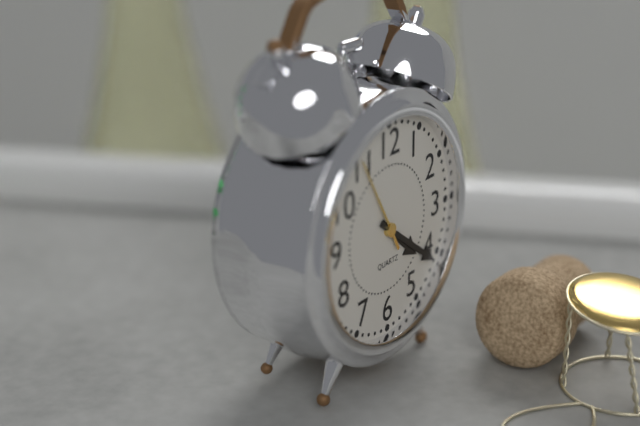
4:21:55
